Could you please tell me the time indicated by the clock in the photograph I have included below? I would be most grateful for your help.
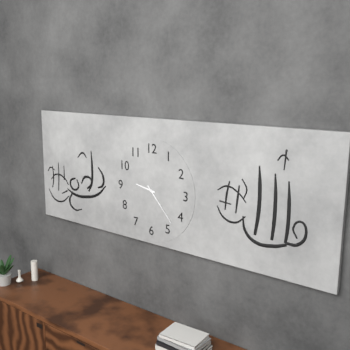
9:23
